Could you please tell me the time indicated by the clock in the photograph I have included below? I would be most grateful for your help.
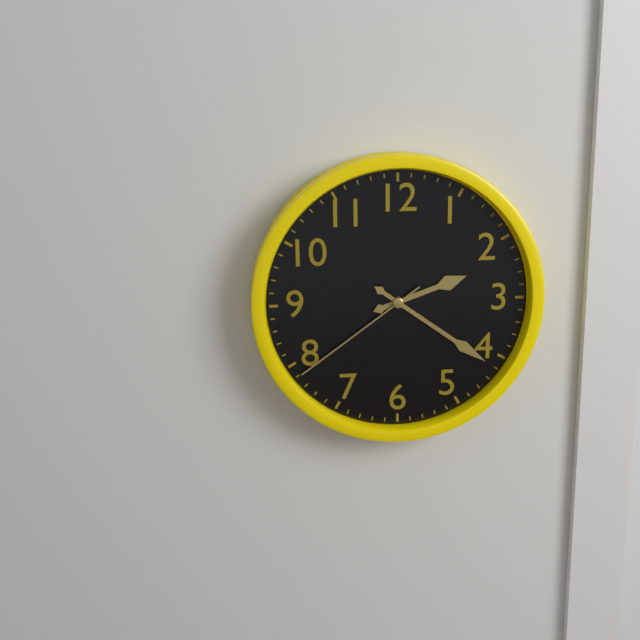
2:21:39
